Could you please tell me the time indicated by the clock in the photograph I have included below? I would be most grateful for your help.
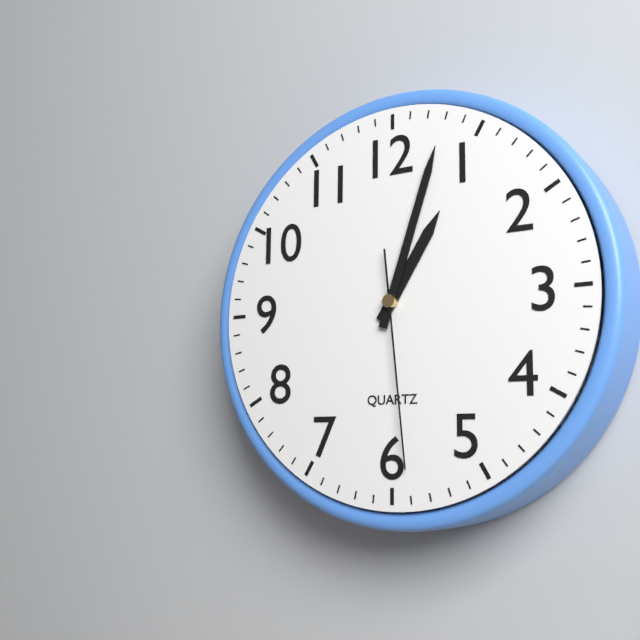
1:03:29
